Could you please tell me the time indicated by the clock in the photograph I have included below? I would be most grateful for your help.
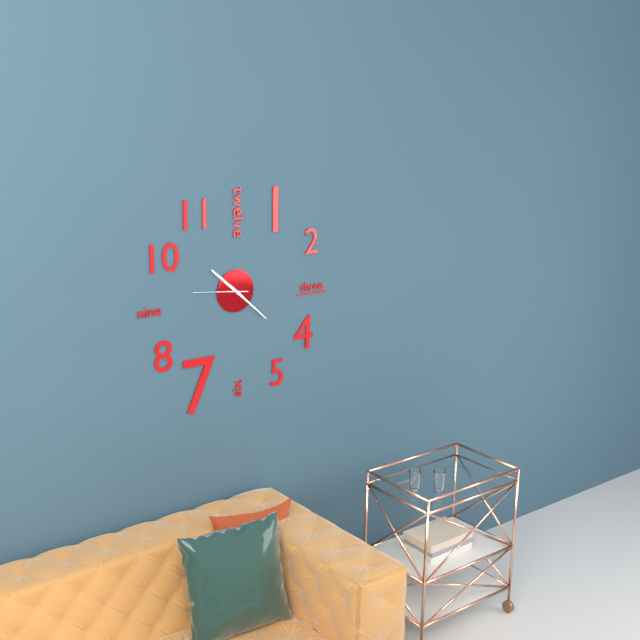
10:22:46
